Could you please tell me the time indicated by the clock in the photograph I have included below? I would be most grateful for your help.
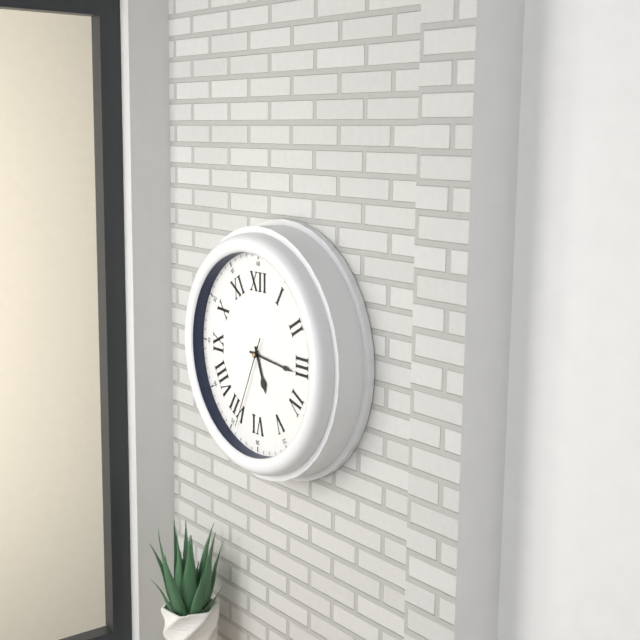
5:16:34
